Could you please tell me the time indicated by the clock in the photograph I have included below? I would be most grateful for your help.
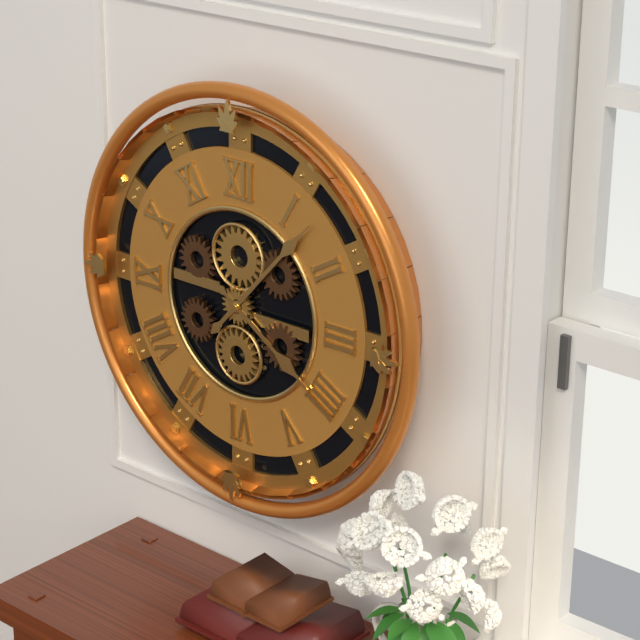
4:07
